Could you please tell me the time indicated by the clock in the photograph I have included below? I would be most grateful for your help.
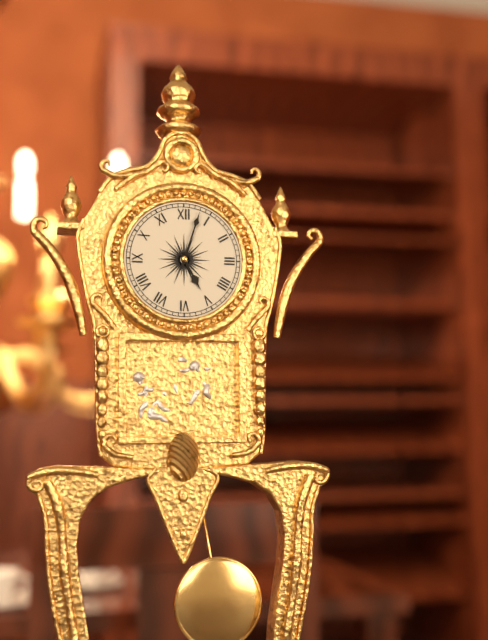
5:03
